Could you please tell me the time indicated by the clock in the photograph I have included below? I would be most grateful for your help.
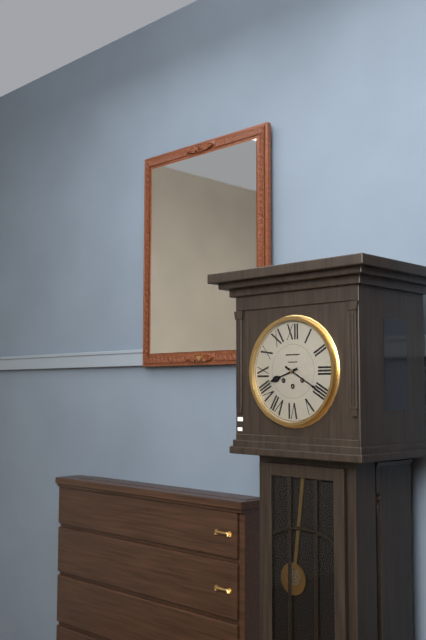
8:20
